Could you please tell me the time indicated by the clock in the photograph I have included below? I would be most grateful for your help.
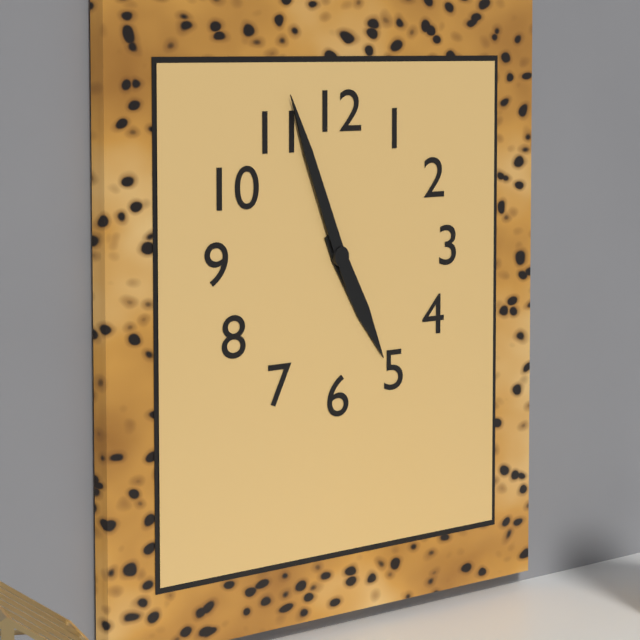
4:56
